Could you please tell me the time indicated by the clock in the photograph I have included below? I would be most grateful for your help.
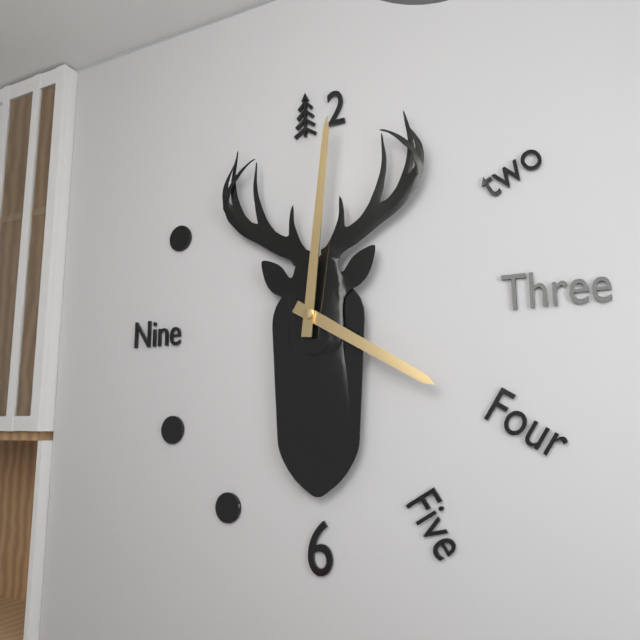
4:01
